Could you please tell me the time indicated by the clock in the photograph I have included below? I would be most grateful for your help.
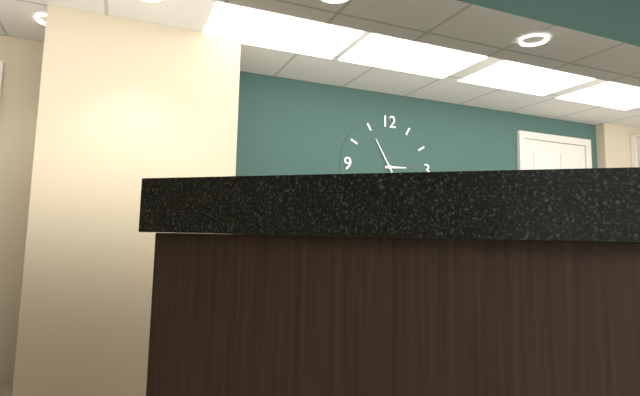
2:55
